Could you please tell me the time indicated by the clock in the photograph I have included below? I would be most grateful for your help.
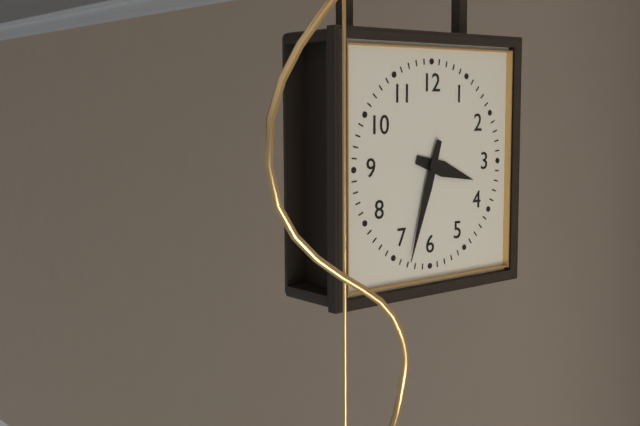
3:33
